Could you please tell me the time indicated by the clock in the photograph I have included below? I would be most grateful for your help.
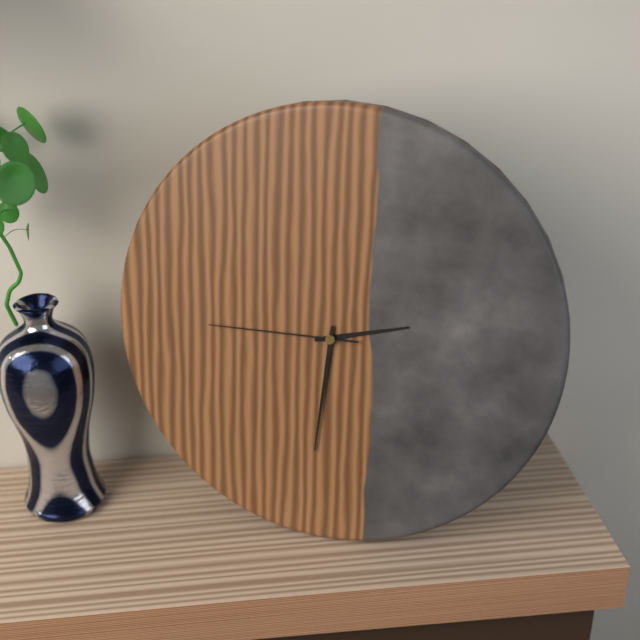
2:31:45
